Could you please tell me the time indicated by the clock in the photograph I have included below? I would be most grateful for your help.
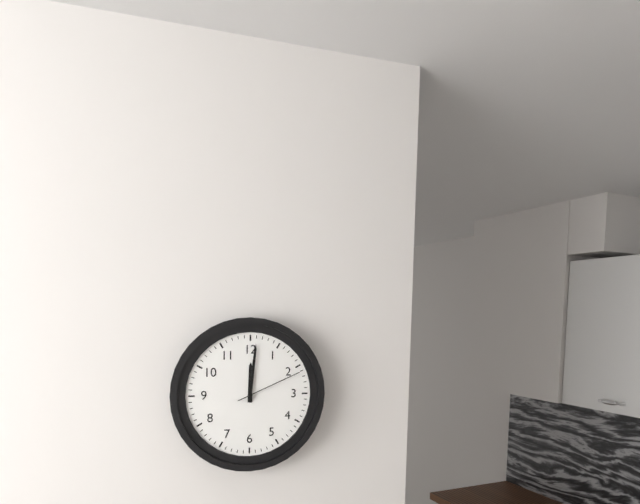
12:01:11
